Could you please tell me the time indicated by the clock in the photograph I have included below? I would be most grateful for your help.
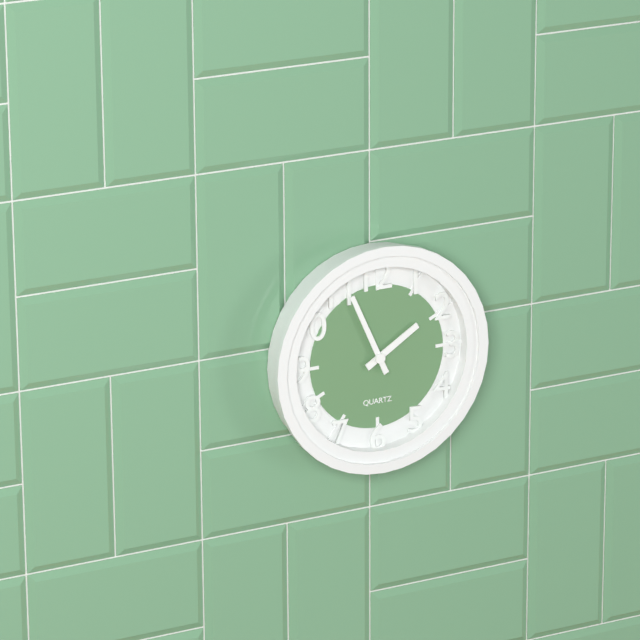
1:56
